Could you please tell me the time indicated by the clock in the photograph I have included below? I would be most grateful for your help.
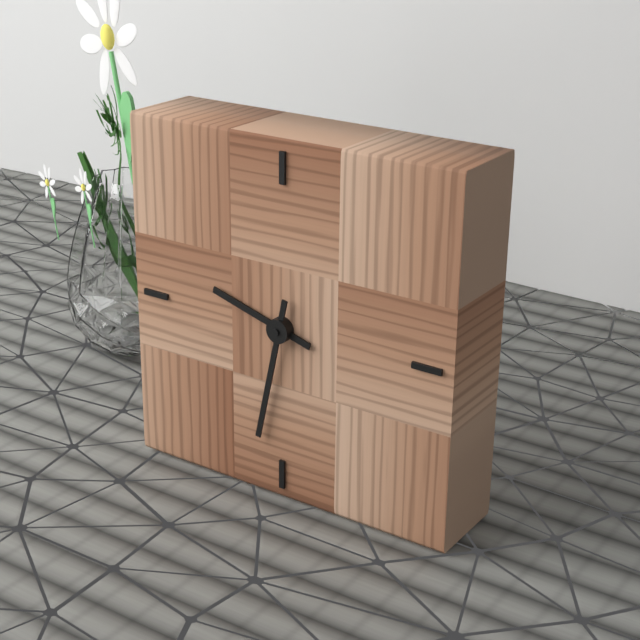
9:32
